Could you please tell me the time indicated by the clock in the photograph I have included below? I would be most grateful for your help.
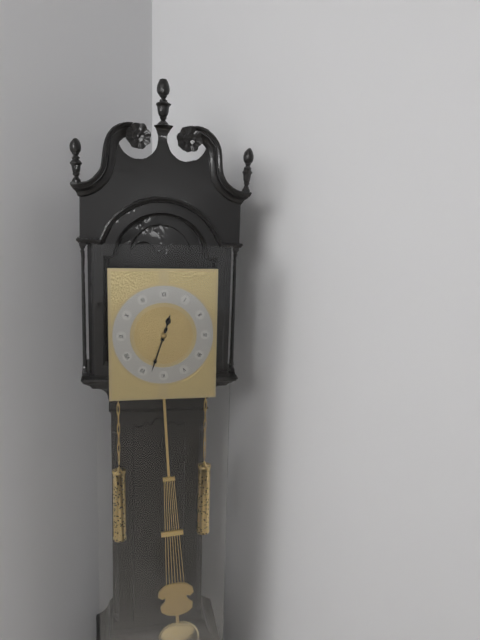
12:33
